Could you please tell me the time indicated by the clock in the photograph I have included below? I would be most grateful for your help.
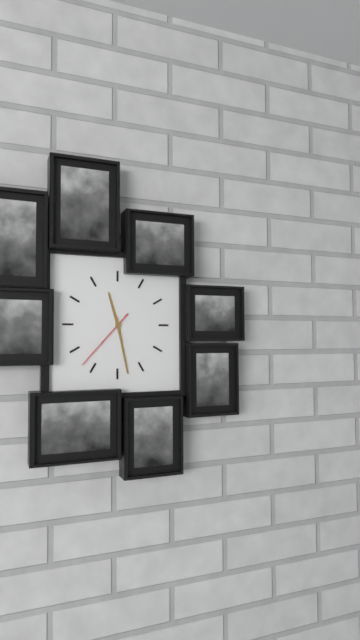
11:28:37
